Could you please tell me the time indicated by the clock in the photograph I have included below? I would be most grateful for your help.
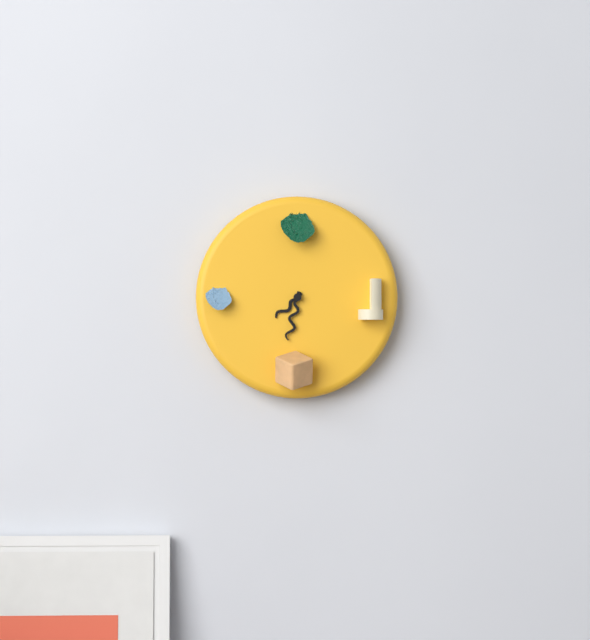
7:32
